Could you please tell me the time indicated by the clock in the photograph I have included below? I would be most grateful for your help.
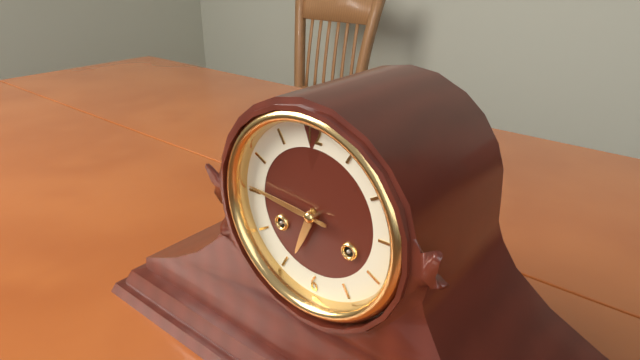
6:46
